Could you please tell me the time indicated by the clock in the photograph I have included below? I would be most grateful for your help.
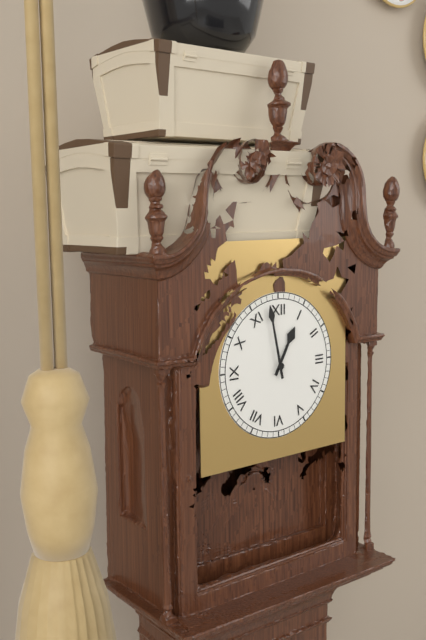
12:58
